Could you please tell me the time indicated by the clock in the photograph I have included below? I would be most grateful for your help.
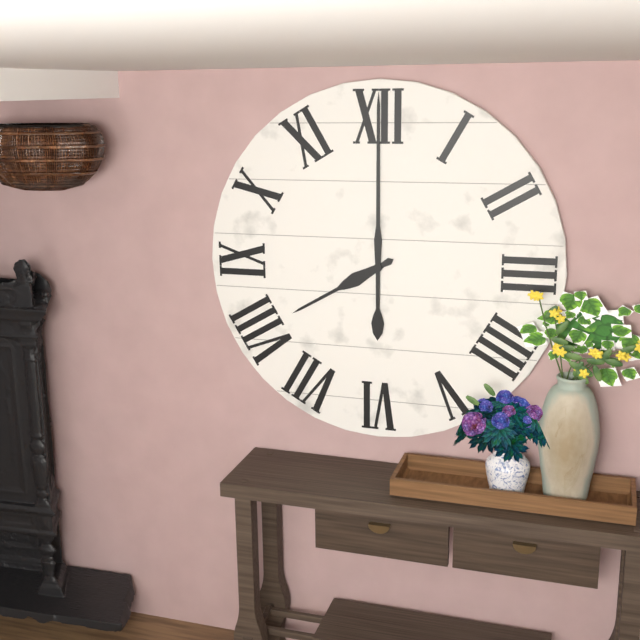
8:00
